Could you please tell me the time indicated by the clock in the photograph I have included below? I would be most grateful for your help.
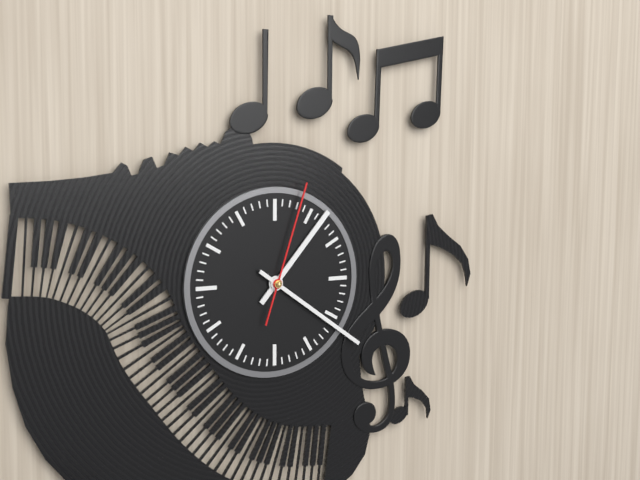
1:21:03
